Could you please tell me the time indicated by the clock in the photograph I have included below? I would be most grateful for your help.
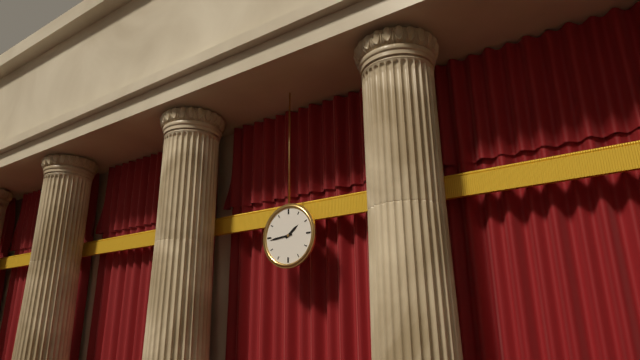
1:44
